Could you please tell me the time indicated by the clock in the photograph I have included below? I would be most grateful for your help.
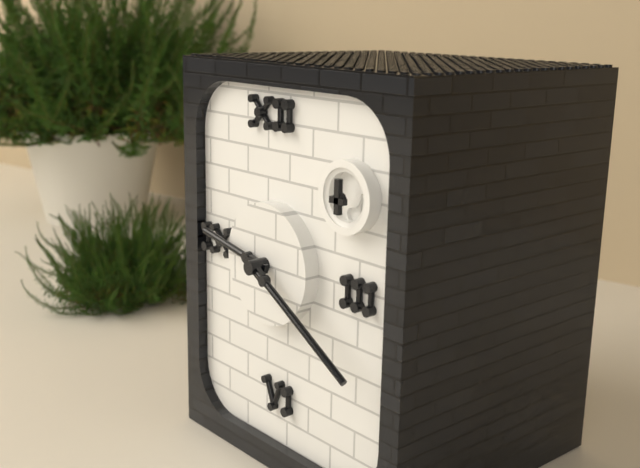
9:20
